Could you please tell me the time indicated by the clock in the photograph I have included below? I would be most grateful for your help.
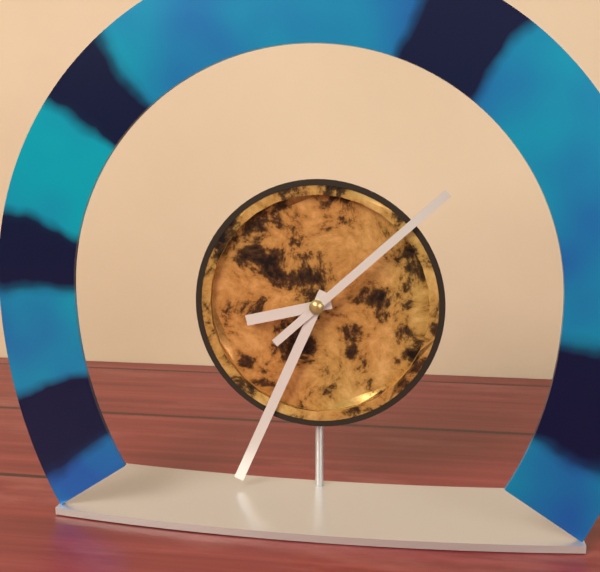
8:34:08
